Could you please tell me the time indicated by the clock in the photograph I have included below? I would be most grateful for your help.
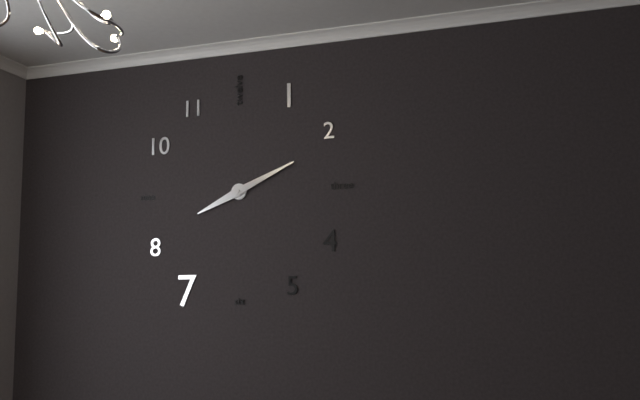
8:11
